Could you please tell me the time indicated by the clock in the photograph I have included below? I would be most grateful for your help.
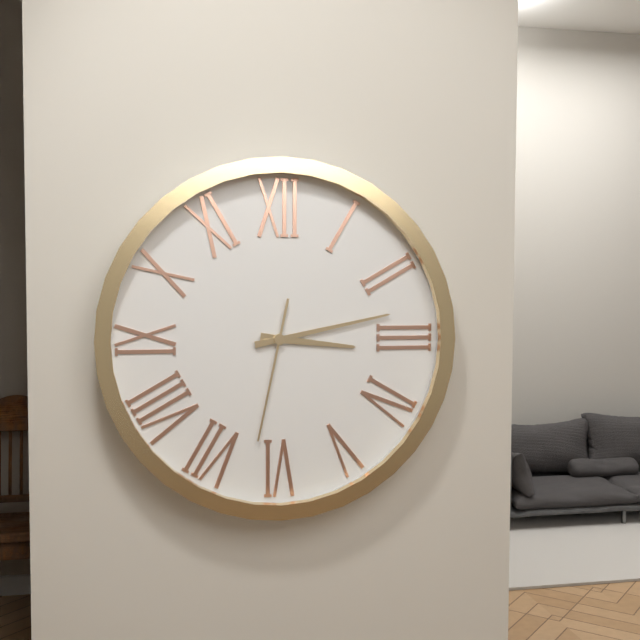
3:13:32
